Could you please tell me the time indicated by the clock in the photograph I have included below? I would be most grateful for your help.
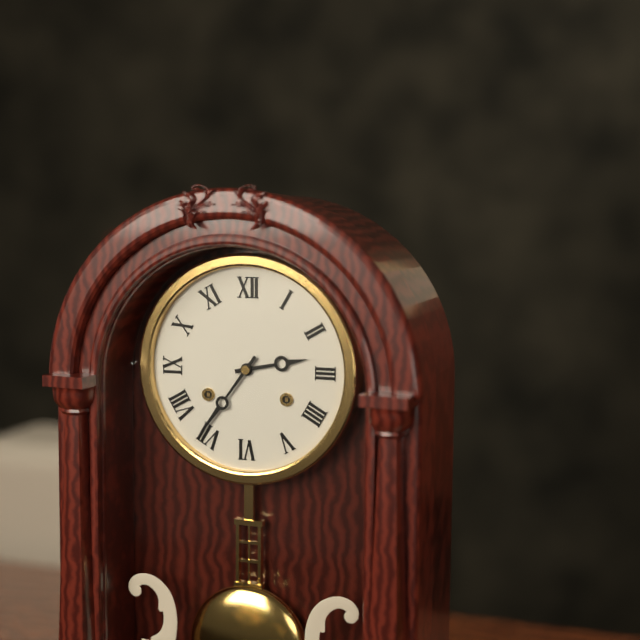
2:36
